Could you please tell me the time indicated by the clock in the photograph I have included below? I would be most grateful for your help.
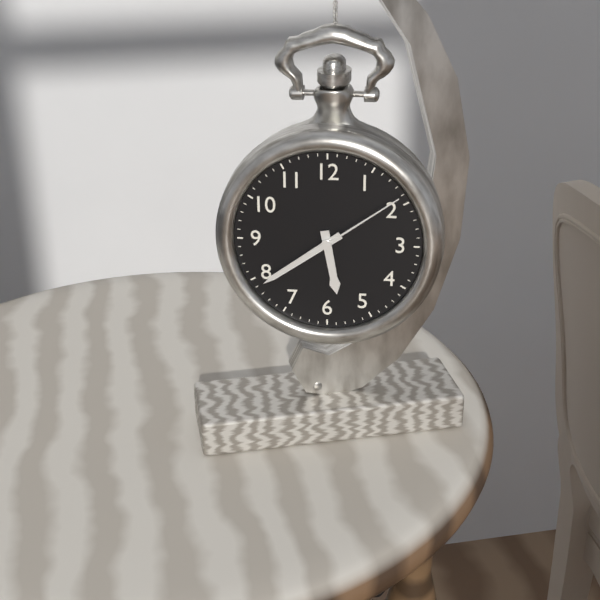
5:39:09
